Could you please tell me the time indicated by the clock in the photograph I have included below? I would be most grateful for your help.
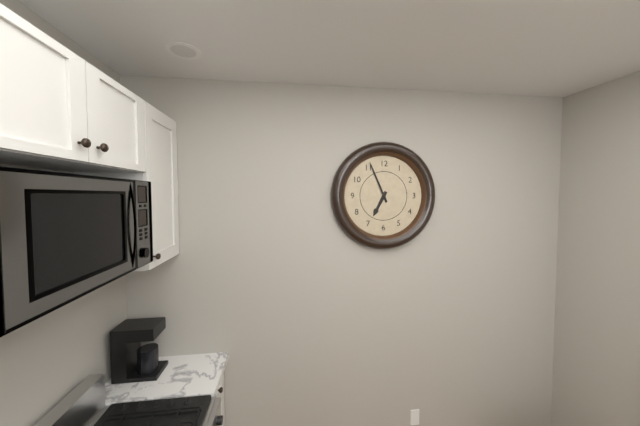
6:56
